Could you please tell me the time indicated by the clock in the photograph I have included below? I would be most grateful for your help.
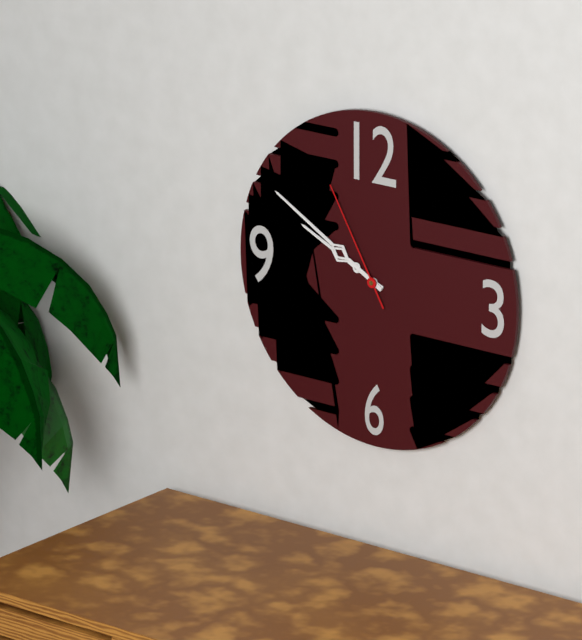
9:50:55
